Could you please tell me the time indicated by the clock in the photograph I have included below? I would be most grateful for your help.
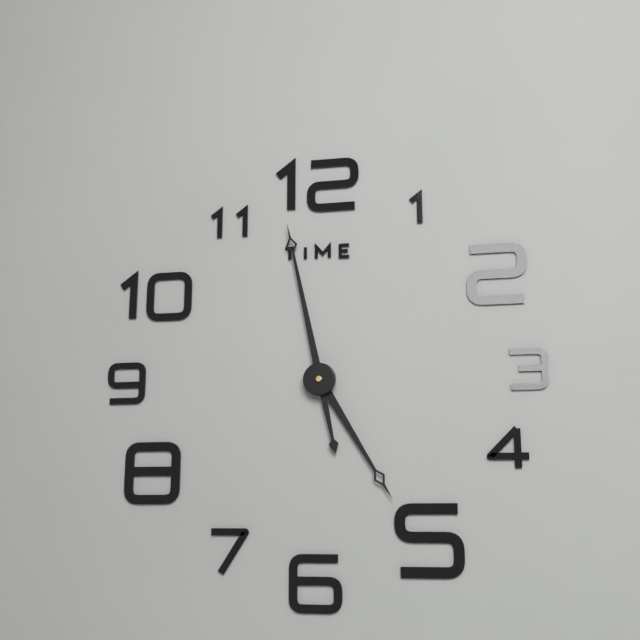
4:58
